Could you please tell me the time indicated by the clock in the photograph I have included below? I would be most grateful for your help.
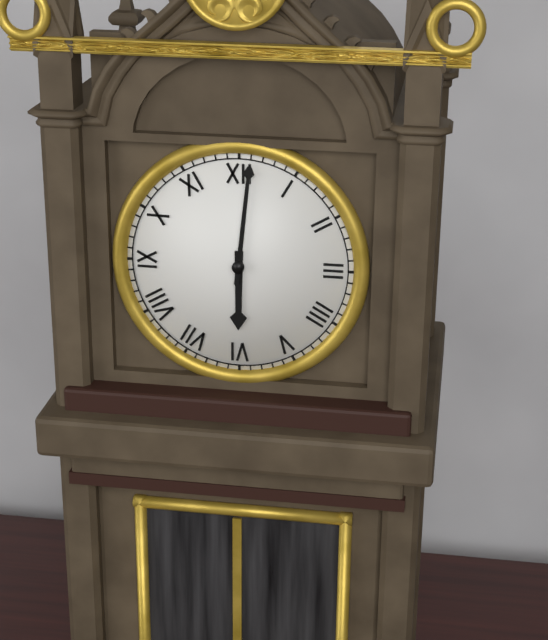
6:01
